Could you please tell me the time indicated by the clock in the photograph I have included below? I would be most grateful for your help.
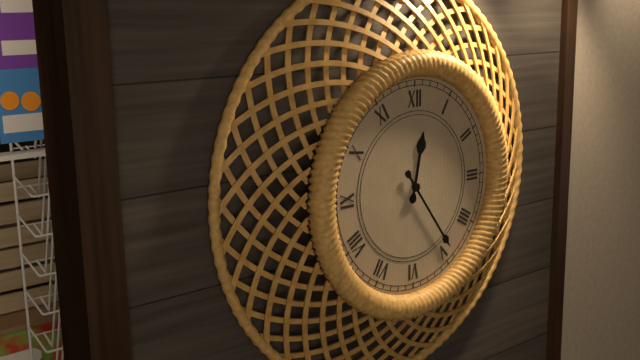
12:24
